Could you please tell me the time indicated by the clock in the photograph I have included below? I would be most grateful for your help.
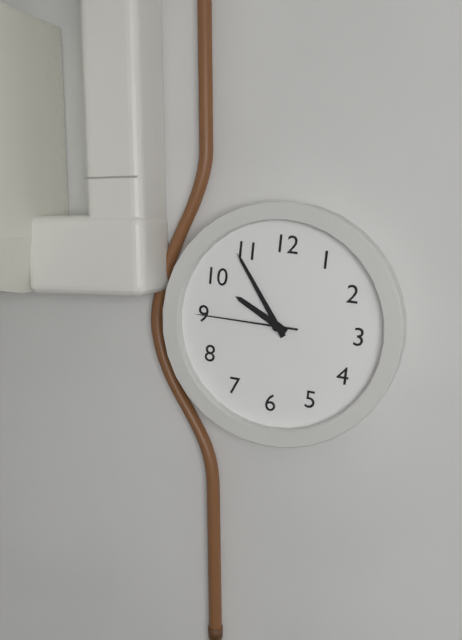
9:54:45
